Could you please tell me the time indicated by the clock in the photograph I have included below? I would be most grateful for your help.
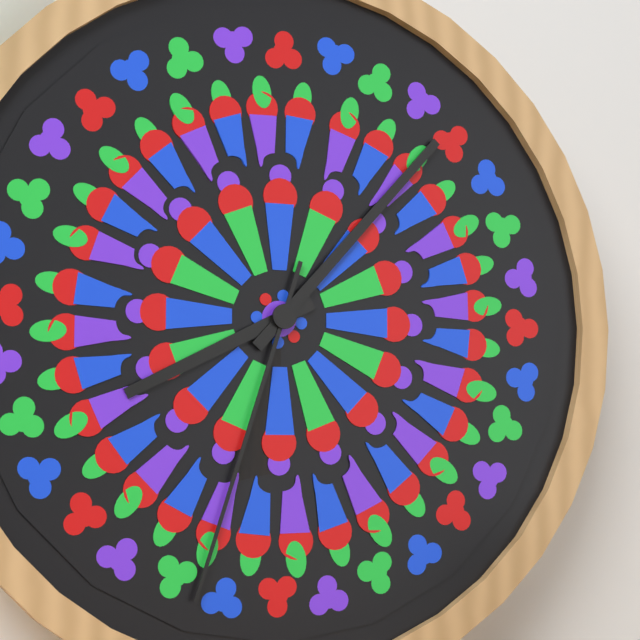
8:07:33
